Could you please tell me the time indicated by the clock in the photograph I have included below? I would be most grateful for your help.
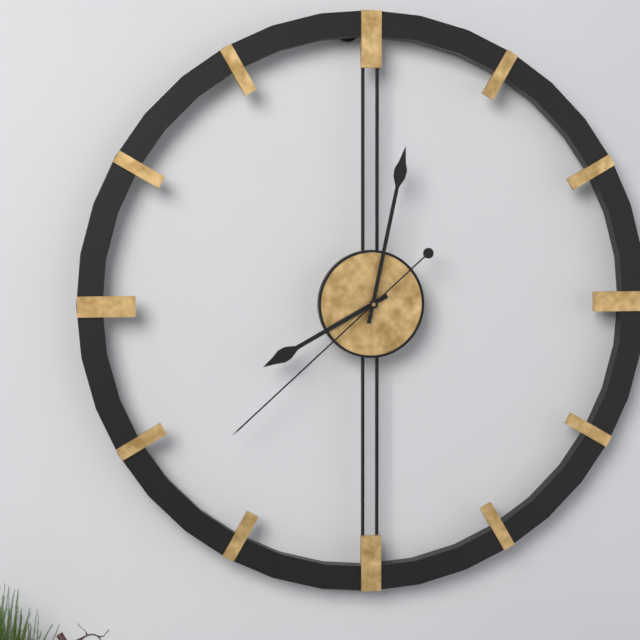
8:02:38
